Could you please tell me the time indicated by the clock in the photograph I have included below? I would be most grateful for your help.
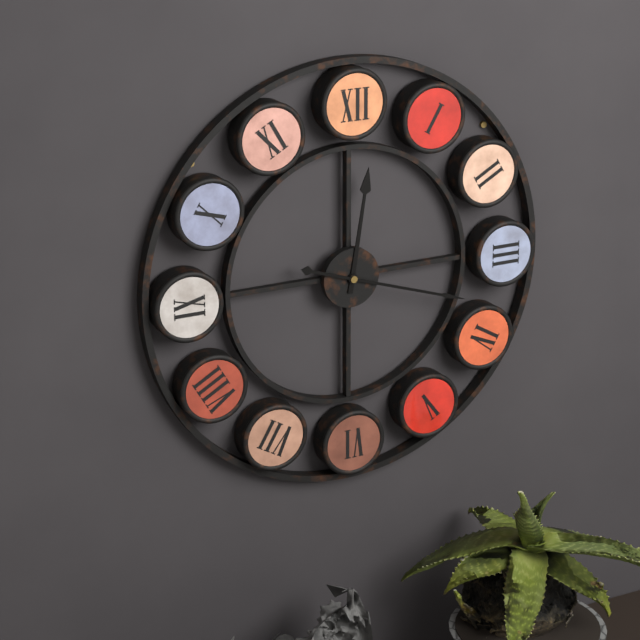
12:18
